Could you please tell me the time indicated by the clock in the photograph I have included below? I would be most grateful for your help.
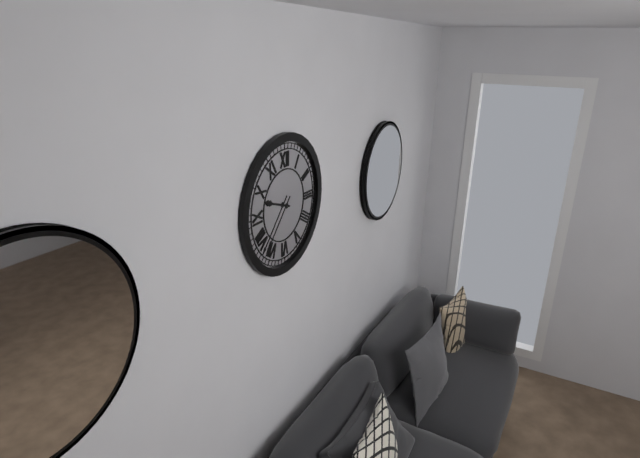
9:37
